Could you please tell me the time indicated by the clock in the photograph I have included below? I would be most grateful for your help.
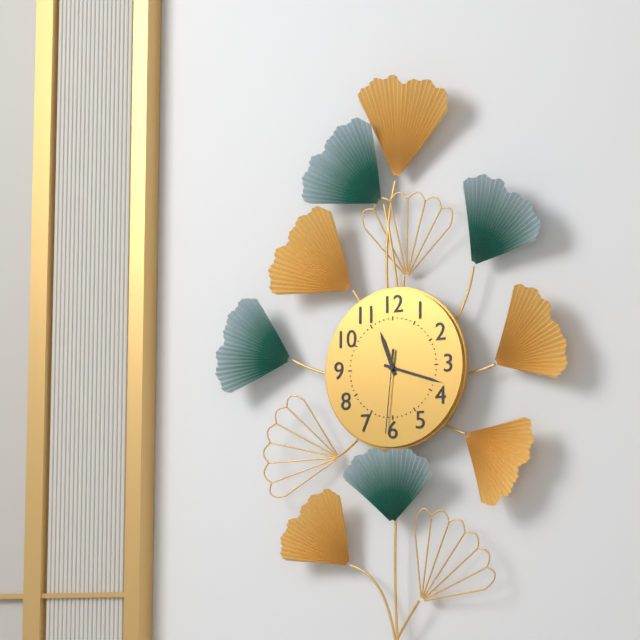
11:18:31
